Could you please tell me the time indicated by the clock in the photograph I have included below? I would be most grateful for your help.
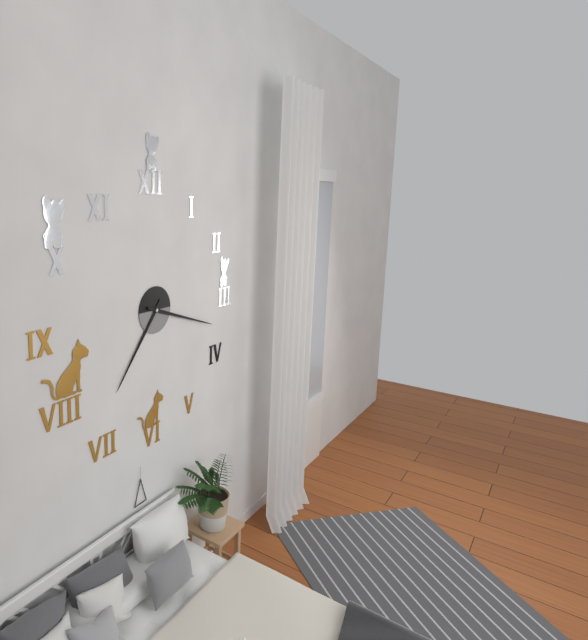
7:18
